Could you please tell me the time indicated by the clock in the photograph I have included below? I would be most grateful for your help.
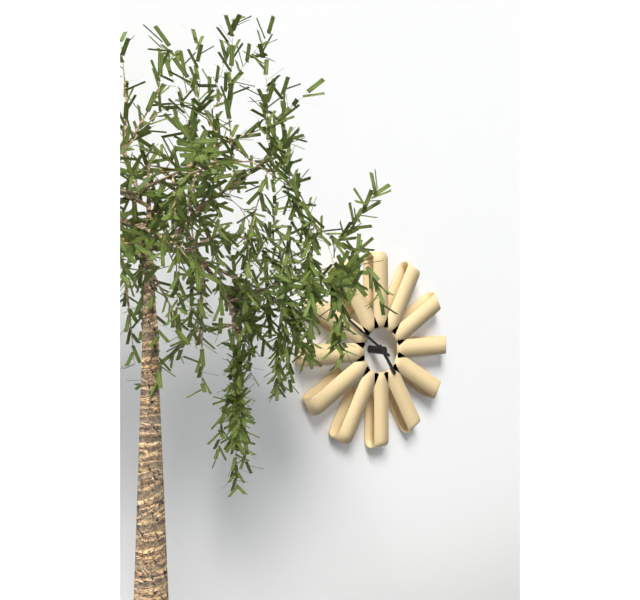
4:51
